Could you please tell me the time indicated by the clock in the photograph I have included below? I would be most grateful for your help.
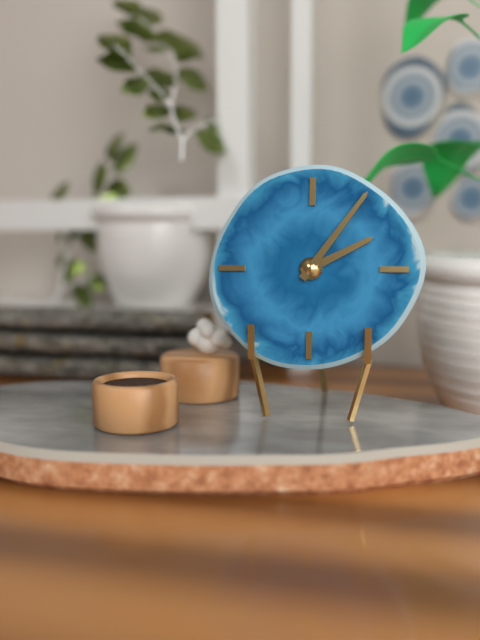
2:06
